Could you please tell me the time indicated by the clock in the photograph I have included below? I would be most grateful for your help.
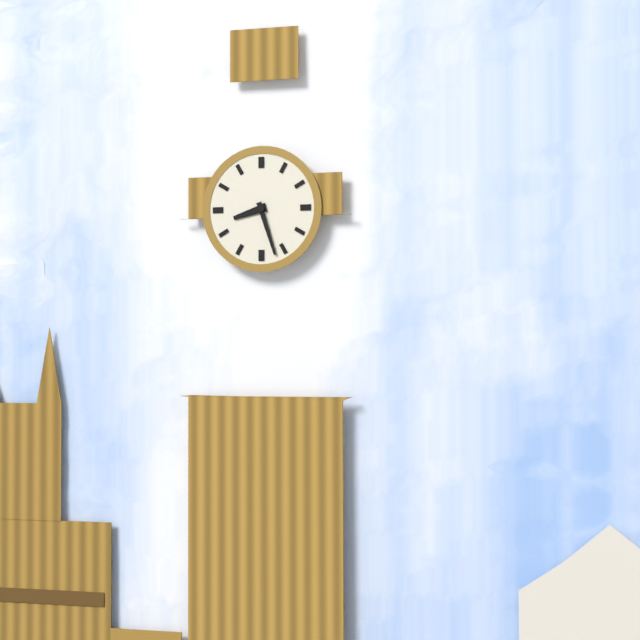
8:27
